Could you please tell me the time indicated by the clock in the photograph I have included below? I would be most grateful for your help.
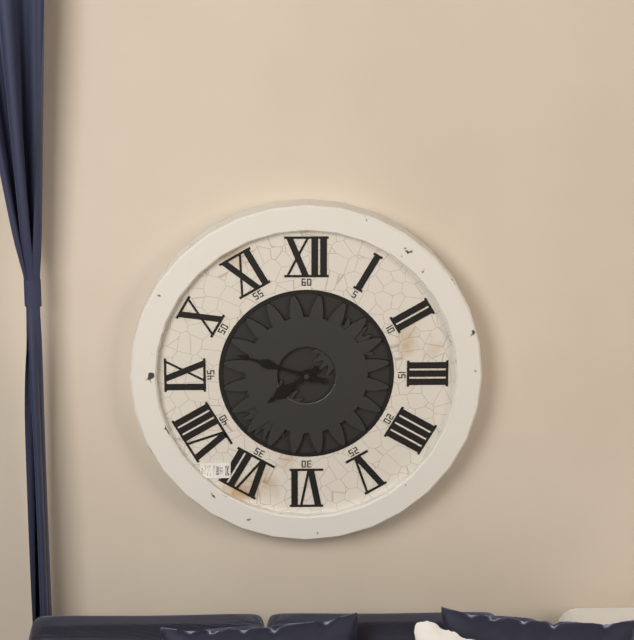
7:48
